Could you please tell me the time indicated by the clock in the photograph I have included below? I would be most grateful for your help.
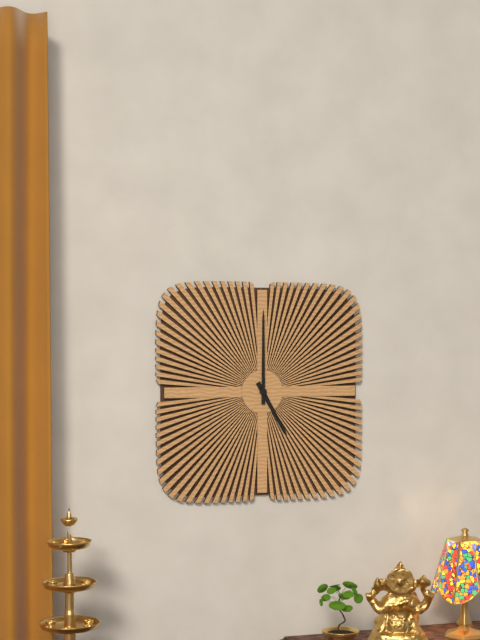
5:00
